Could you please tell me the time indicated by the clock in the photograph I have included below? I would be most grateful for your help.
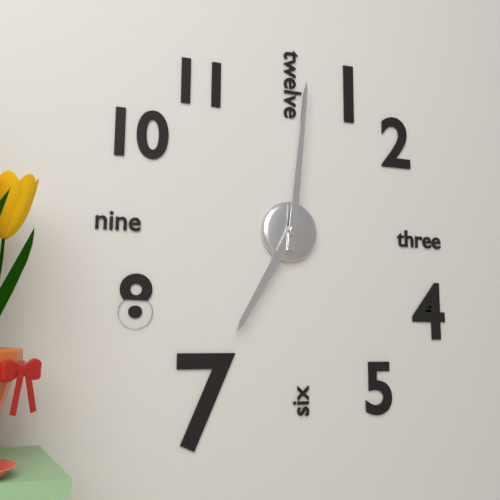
7:01
